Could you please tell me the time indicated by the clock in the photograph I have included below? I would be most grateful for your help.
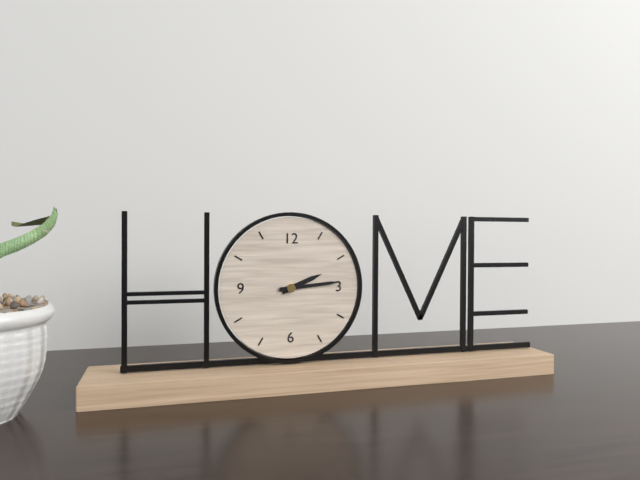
2:14
